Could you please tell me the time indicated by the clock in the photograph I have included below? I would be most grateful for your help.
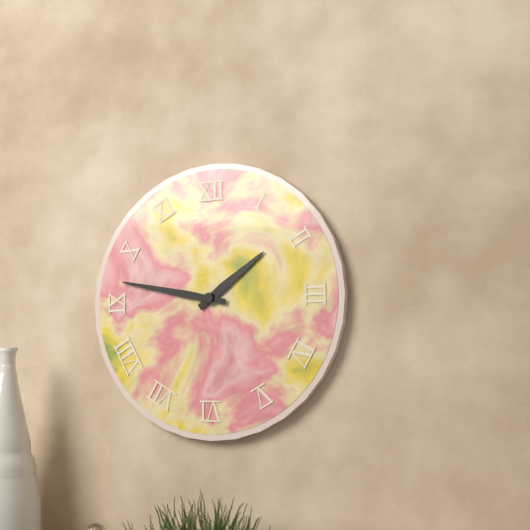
1:47
